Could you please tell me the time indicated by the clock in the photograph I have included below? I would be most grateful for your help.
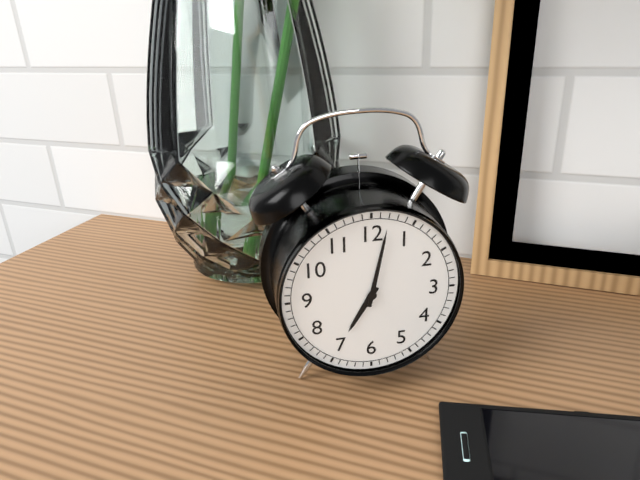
7:02
